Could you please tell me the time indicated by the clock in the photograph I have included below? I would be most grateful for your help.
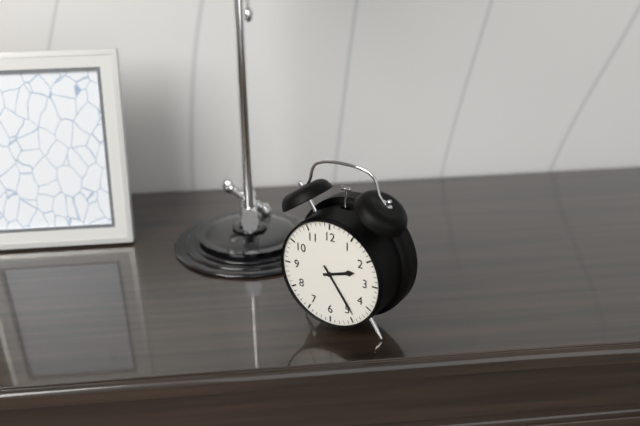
2:24
